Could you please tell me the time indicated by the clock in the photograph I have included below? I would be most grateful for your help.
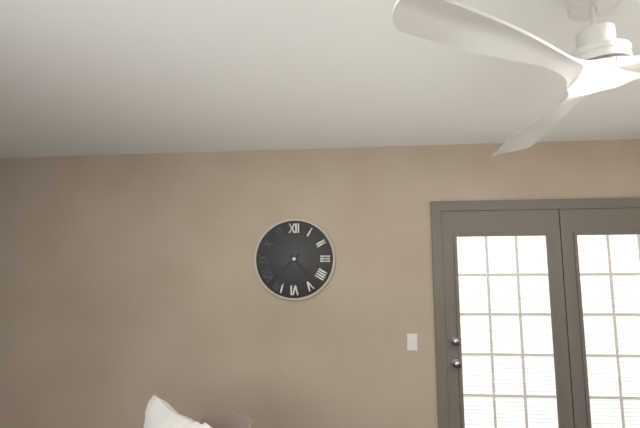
4:38
